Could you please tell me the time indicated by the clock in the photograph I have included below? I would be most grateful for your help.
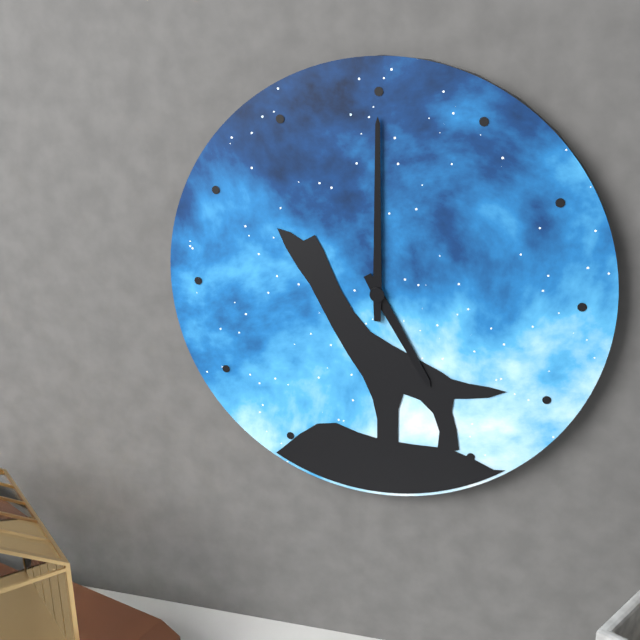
5:00
